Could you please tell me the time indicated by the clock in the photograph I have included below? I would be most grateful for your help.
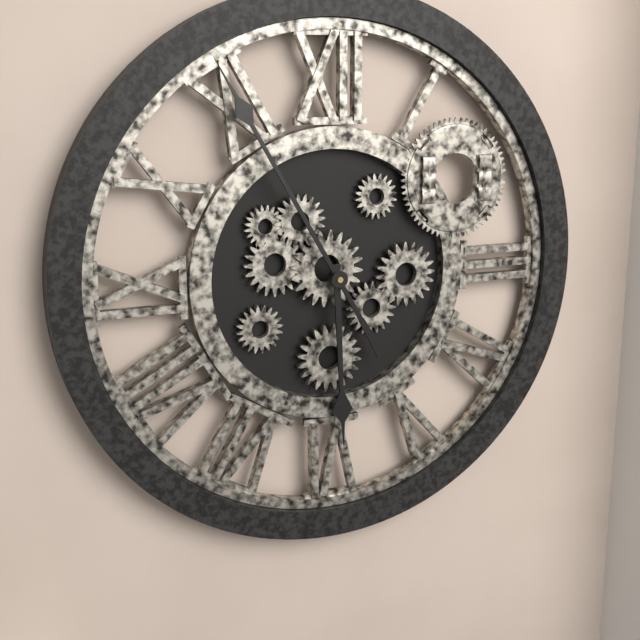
5:55
